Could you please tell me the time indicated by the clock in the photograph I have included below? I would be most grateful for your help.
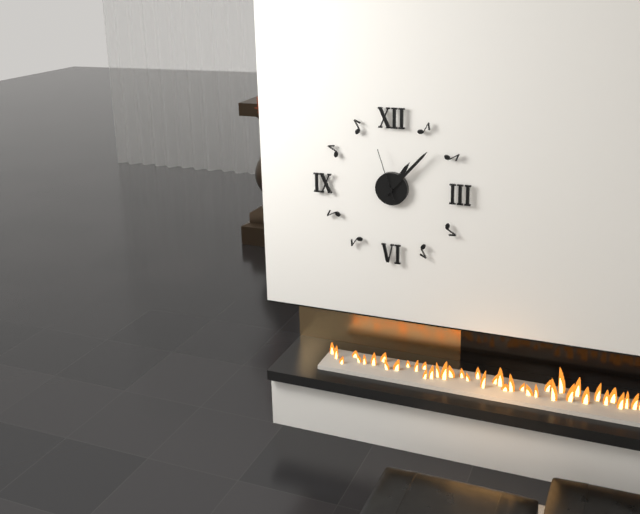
1:07:57
